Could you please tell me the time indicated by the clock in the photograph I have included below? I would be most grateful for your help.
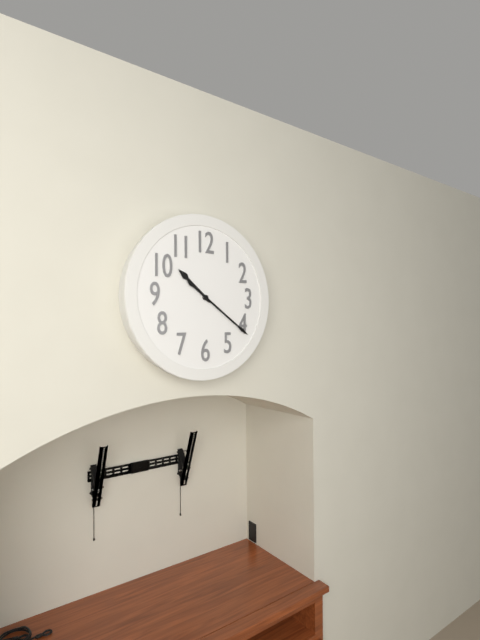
10:21
